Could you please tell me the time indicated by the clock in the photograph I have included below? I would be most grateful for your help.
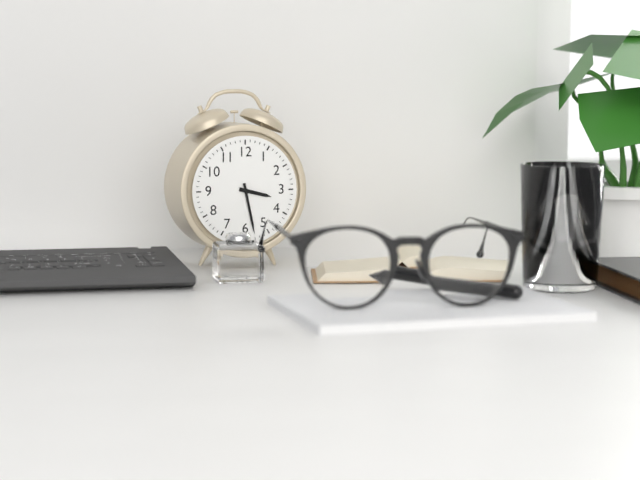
3:28
